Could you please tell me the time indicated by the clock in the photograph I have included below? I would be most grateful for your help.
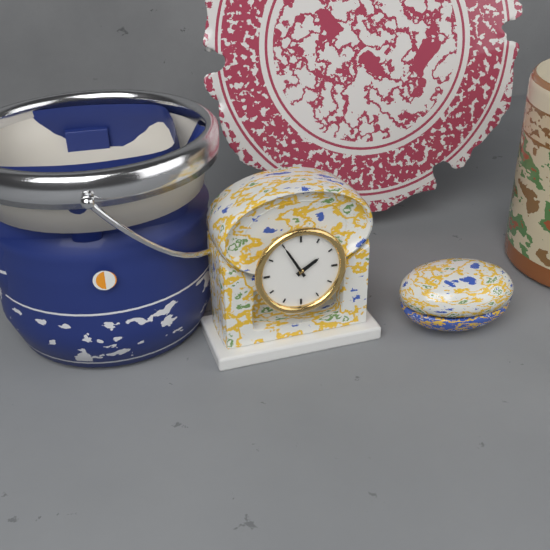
1:55
